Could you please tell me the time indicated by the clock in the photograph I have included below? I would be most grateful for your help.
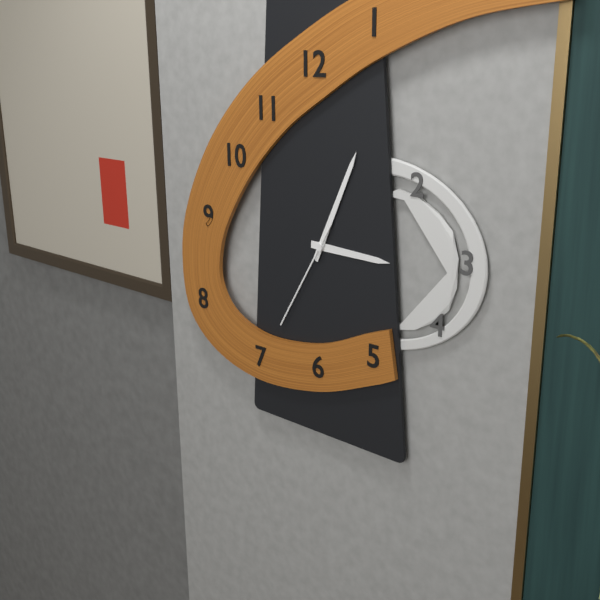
3:04:35
